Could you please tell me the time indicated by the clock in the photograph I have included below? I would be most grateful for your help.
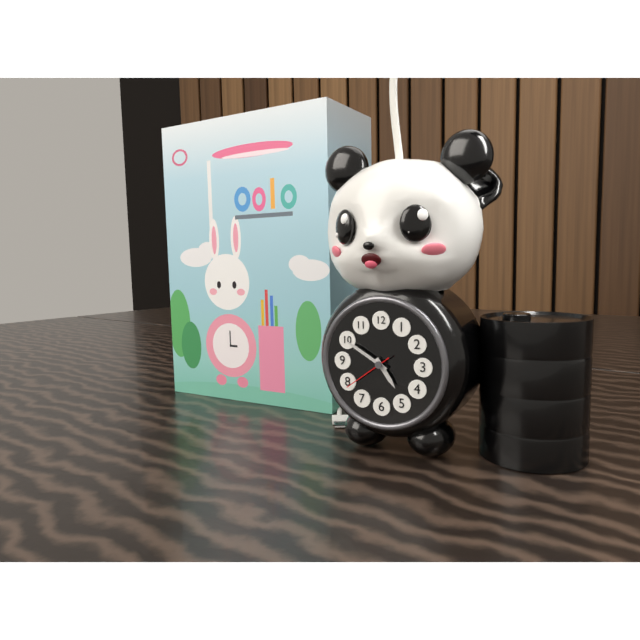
4:50
